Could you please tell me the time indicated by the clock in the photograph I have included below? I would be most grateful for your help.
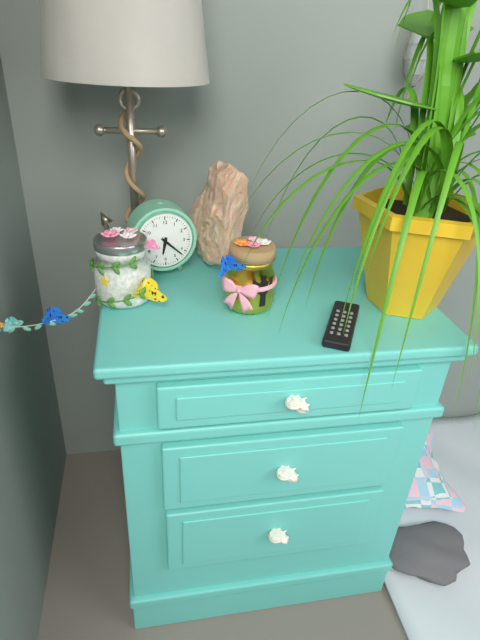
6:22
